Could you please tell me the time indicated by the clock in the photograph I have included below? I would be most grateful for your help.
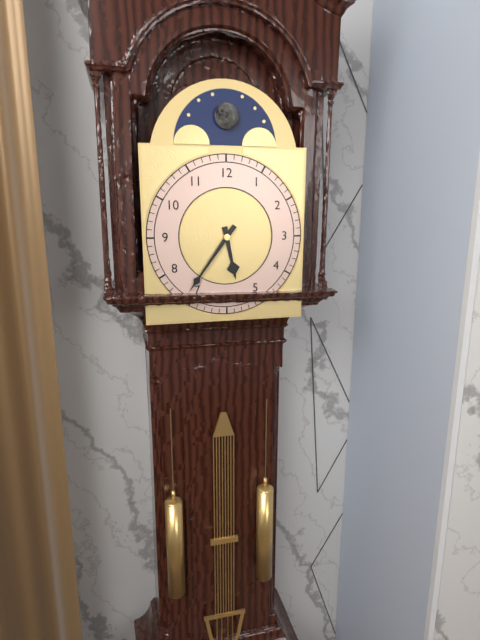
5:36
